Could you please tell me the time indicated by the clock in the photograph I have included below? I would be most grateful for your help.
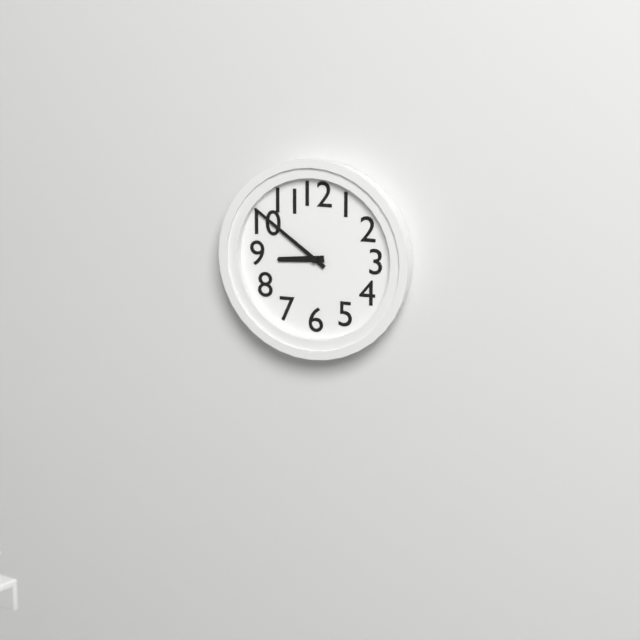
8:51
